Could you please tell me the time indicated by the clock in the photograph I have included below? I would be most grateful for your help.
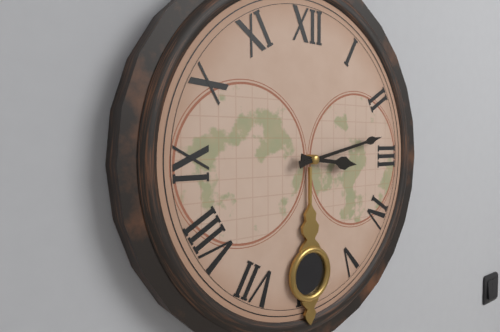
3:13
